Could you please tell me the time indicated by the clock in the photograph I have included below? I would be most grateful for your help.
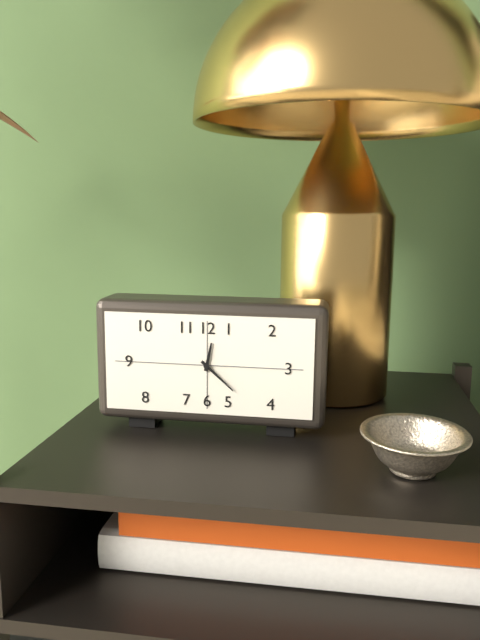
12:22
